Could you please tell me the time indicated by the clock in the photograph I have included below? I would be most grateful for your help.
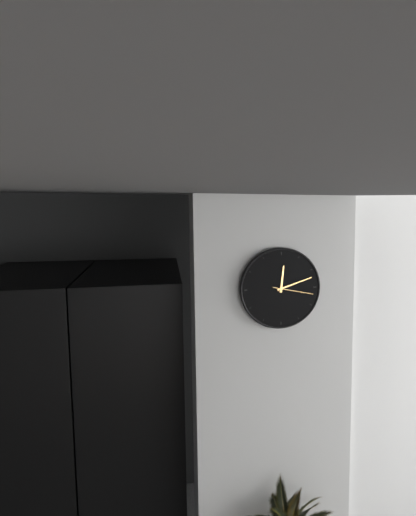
12:12
